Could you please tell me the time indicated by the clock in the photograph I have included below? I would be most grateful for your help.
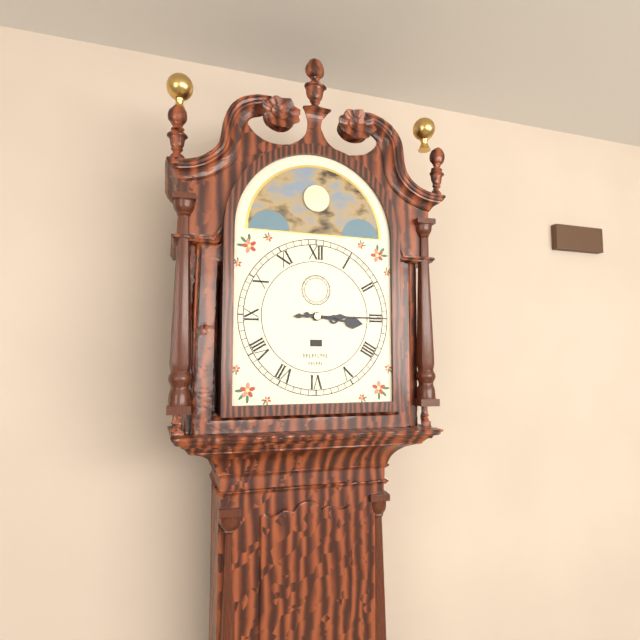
3:15
